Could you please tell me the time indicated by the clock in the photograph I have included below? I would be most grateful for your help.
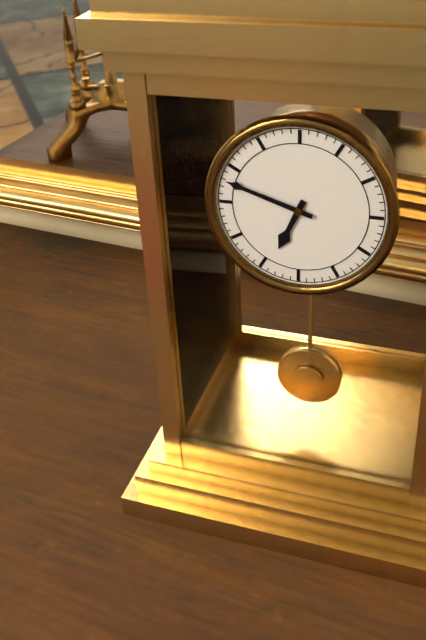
6:48
